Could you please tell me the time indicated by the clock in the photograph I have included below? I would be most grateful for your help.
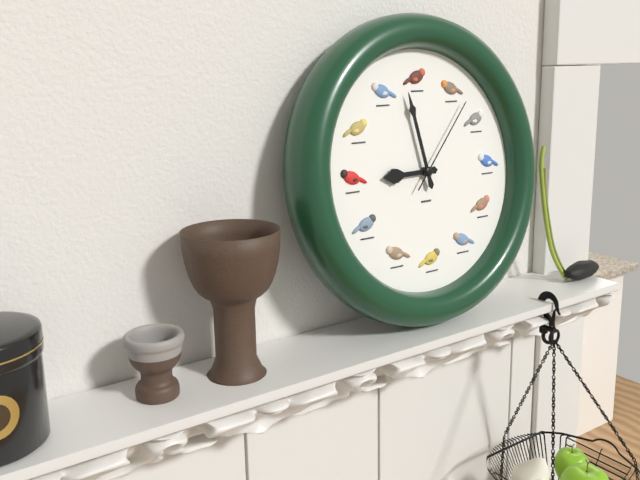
8:58:07
